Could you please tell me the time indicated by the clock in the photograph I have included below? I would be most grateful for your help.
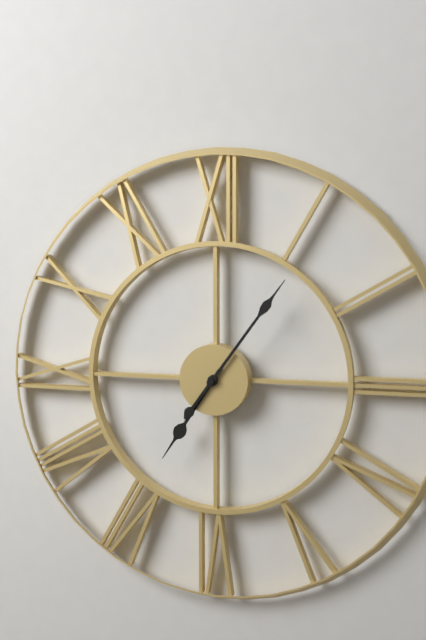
7:06
